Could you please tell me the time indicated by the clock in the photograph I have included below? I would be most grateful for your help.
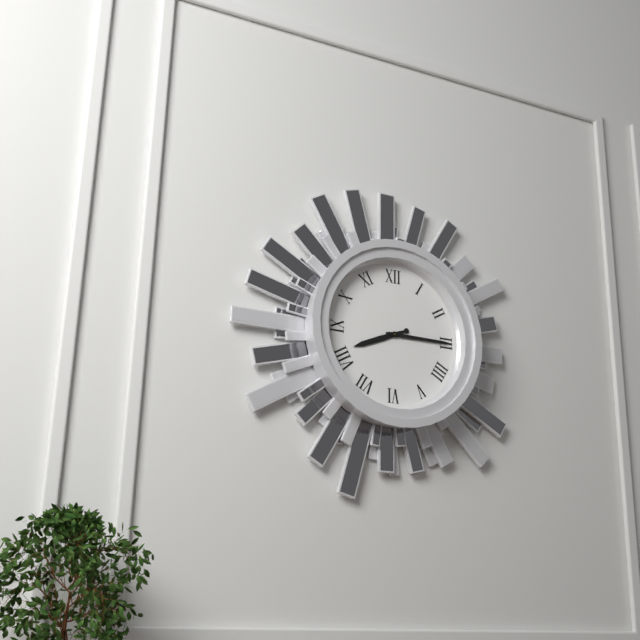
8:15
